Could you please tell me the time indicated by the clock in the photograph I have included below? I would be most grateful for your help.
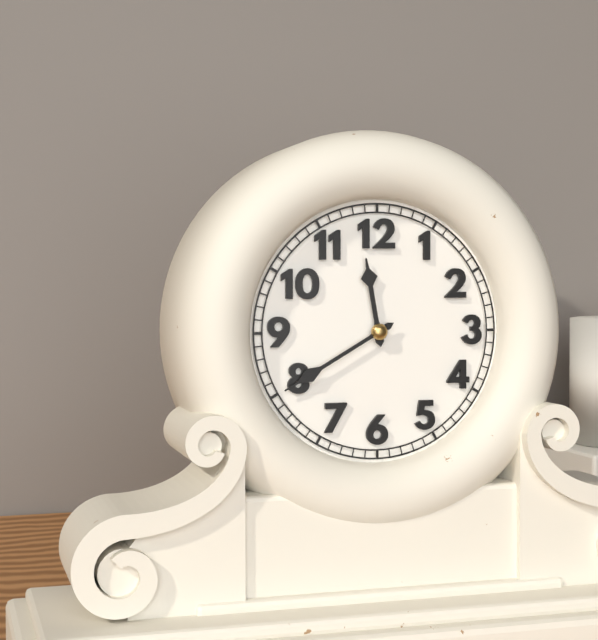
11:40
